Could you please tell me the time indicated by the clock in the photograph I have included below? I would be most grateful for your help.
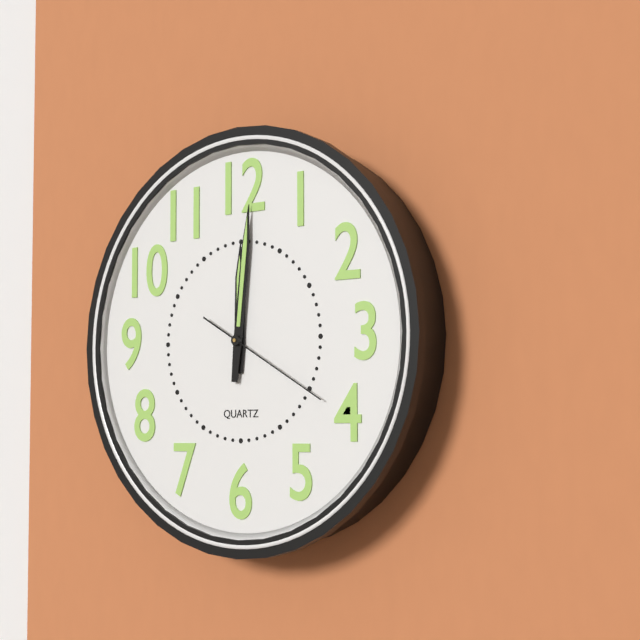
12:01:20
